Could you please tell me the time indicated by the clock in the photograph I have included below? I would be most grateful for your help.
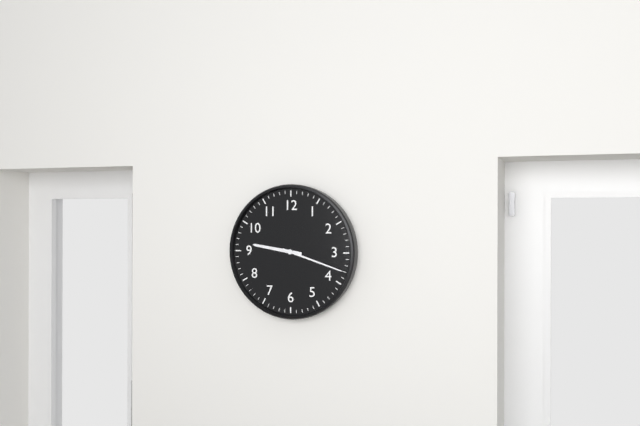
9:18
